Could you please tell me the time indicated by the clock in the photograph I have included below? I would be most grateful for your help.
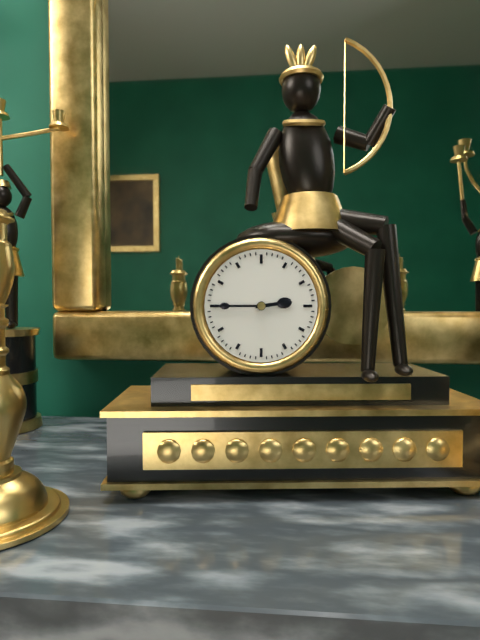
2:45
